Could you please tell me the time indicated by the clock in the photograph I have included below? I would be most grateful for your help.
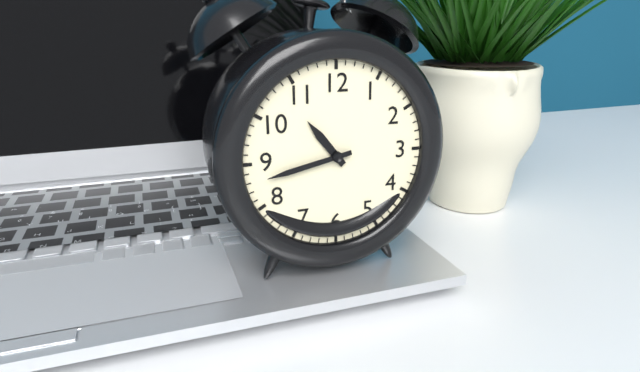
10:43
